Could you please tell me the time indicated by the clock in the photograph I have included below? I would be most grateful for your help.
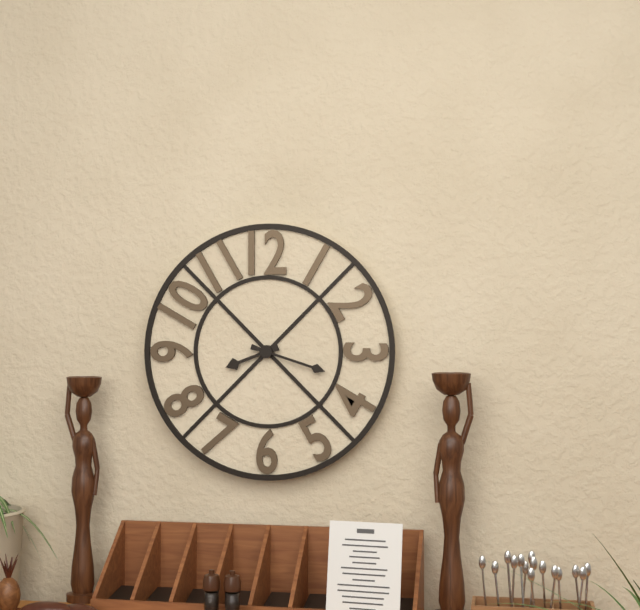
8:18
